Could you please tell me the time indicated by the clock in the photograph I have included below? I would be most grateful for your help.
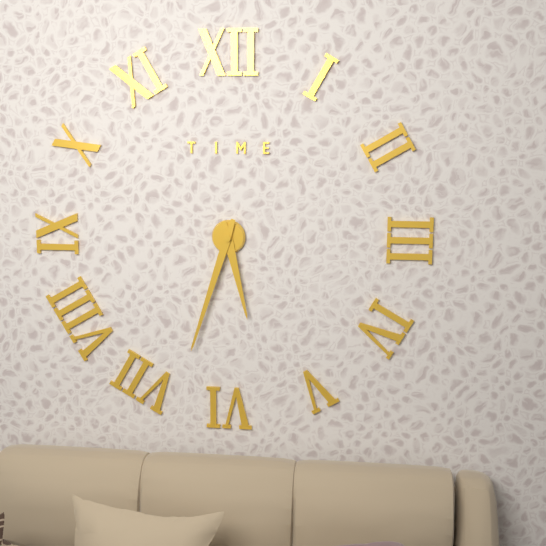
5:33
